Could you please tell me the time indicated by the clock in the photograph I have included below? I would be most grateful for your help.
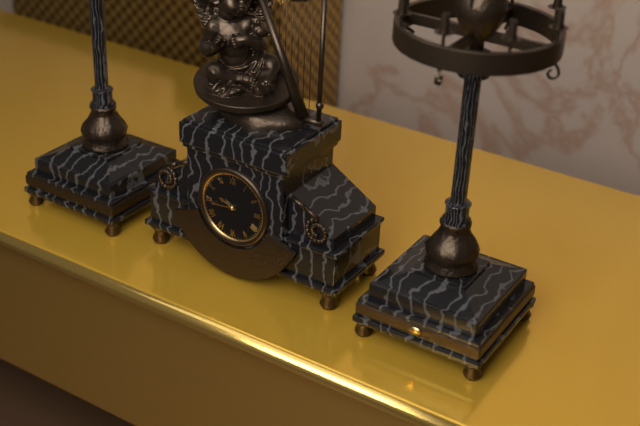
9:44
